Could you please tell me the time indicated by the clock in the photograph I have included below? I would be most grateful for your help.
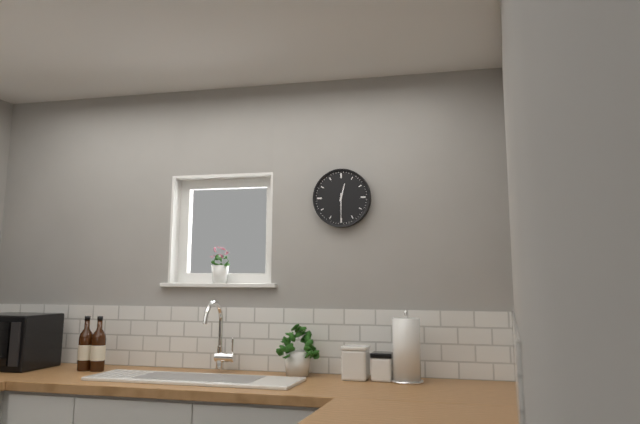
12:30
